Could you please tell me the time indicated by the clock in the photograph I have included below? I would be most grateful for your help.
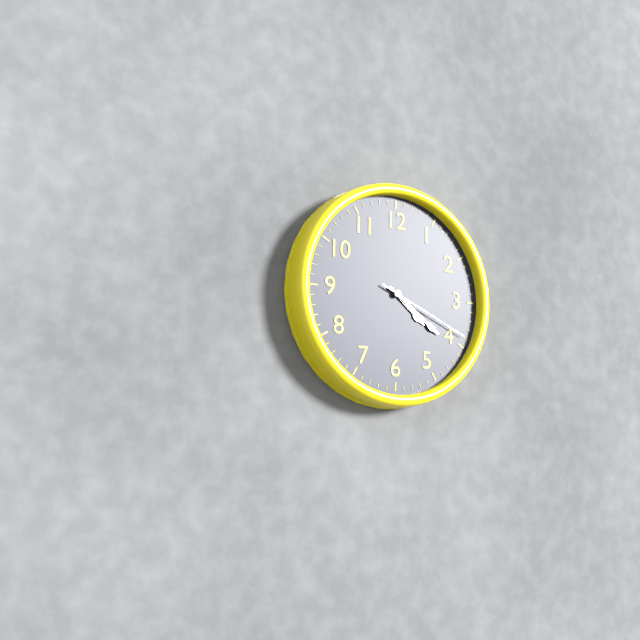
4:21:19
